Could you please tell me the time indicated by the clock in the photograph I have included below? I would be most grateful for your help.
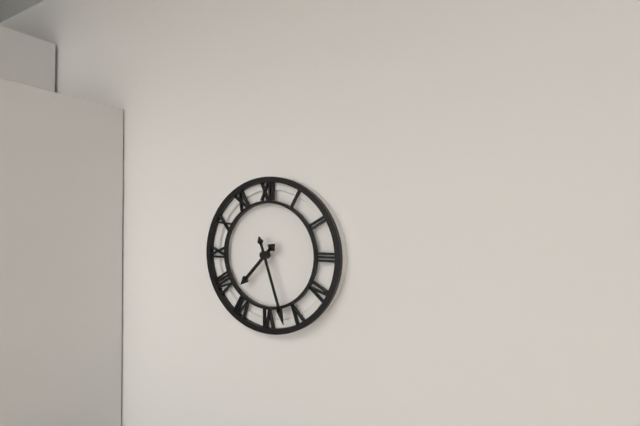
7:27
